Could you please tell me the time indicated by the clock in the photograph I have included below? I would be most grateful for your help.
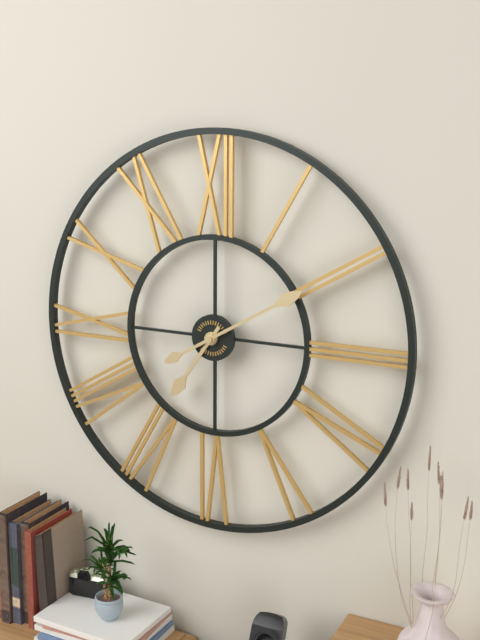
7:10
